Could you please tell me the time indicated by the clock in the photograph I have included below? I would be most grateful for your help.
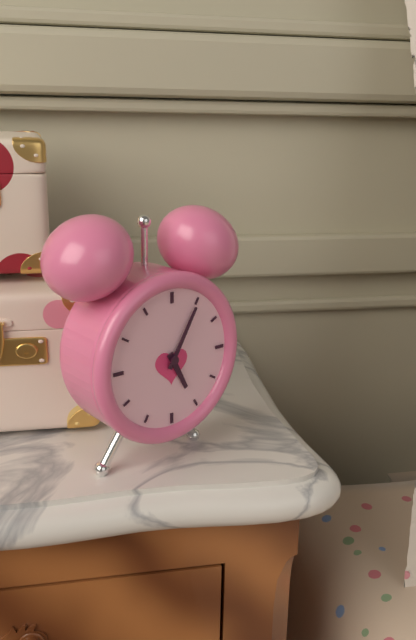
5:05
